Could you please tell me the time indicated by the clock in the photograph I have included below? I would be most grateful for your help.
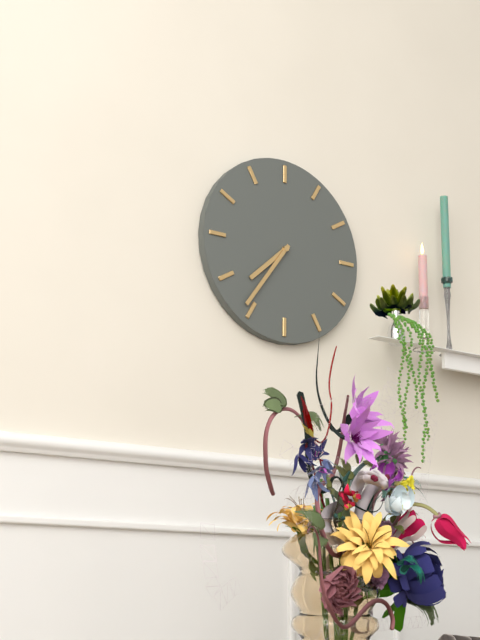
7:36
